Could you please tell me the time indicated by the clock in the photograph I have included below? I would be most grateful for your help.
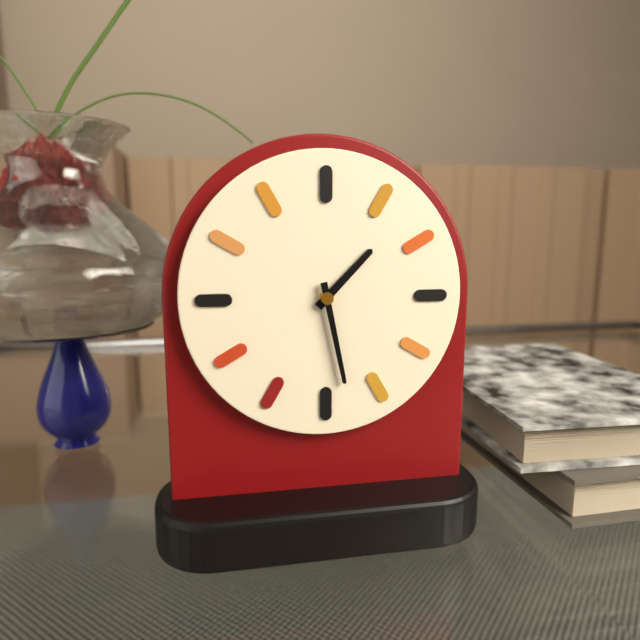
1:28
